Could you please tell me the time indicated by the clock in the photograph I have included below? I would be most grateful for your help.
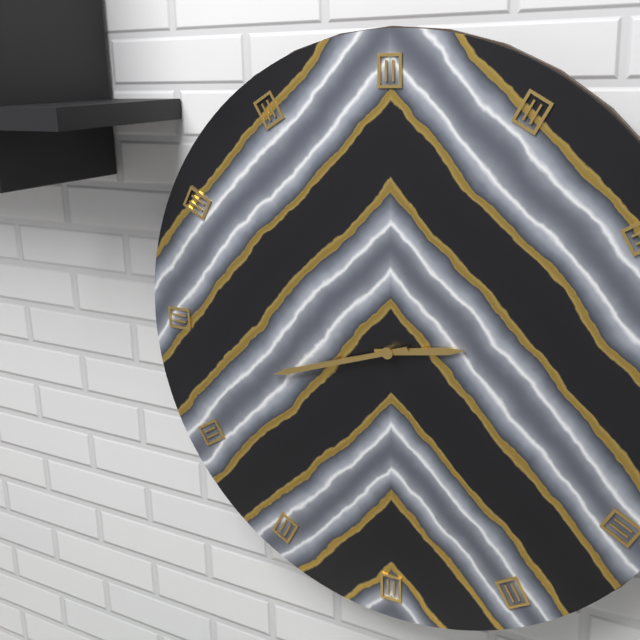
2:42
